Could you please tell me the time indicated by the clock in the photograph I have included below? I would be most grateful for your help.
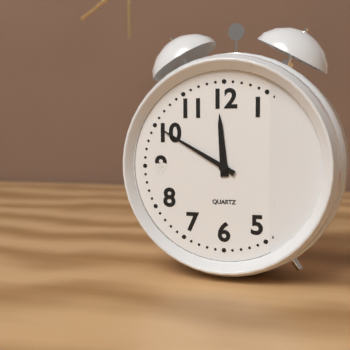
11:50
